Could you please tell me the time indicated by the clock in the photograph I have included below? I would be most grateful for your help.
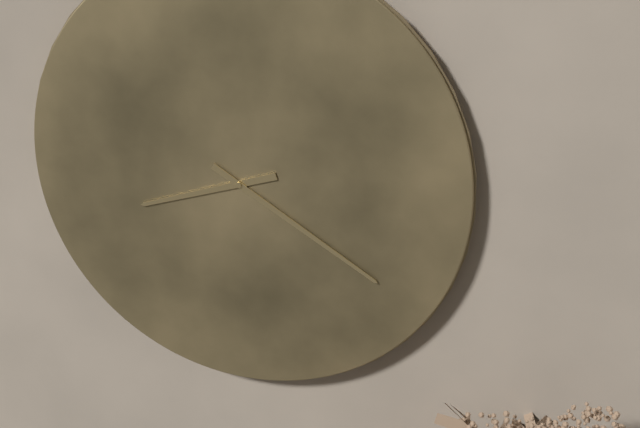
8:20
